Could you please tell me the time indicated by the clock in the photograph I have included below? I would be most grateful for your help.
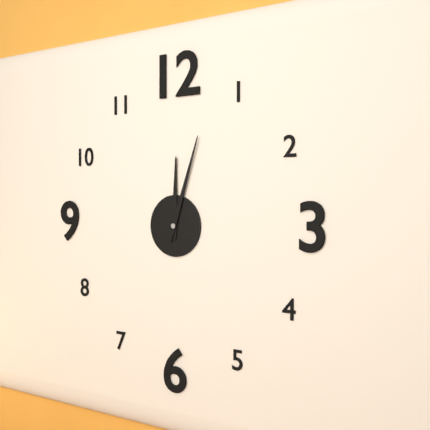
12:03
